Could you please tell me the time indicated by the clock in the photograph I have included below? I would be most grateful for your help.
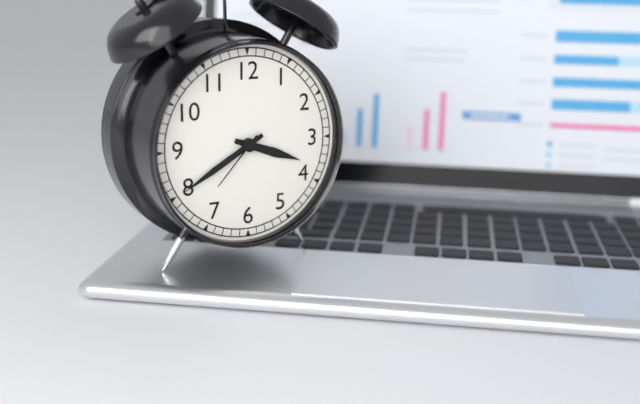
3:40:37
